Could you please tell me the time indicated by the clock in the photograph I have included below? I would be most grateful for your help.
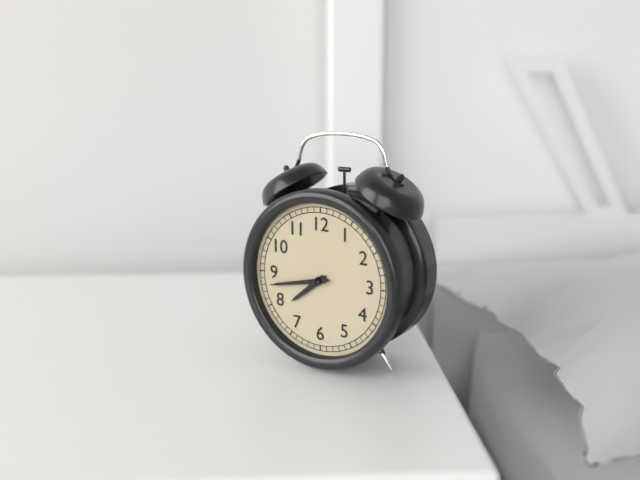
7:43
